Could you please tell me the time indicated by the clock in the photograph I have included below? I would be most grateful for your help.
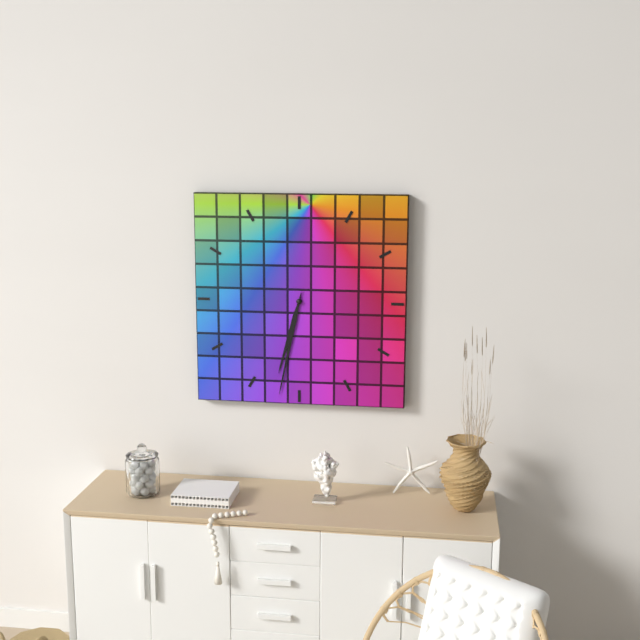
6:32
